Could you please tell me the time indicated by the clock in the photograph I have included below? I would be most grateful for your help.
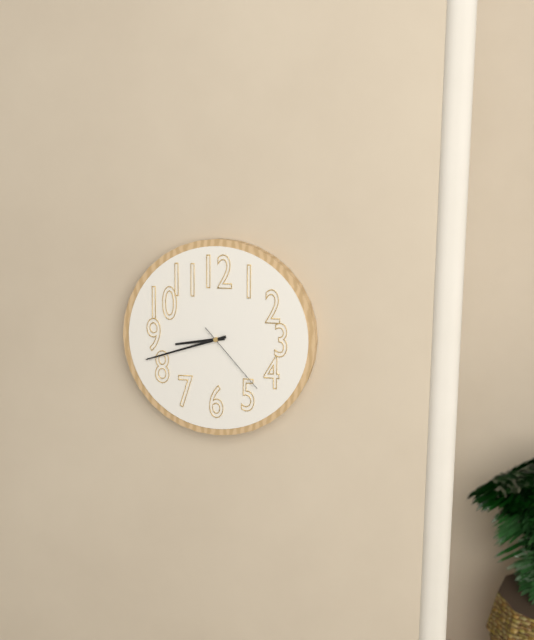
8:42:23
